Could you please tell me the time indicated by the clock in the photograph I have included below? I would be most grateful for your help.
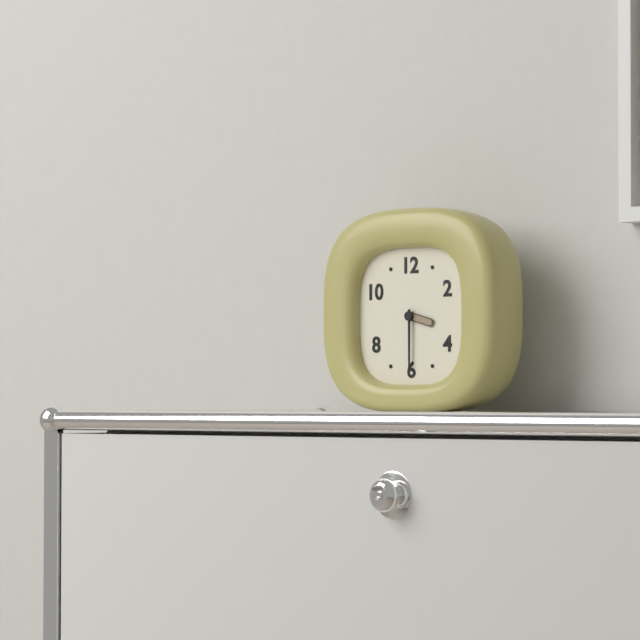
3:30
